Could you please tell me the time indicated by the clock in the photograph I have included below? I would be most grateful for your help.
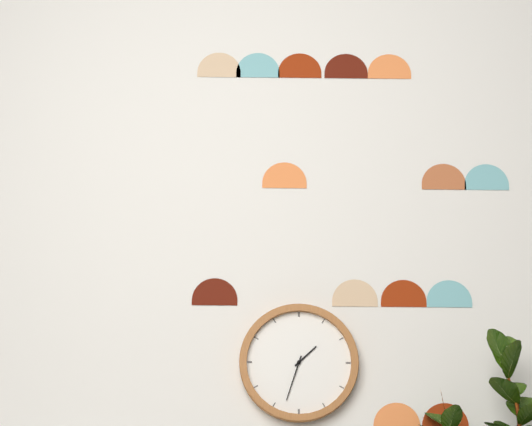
1:33
